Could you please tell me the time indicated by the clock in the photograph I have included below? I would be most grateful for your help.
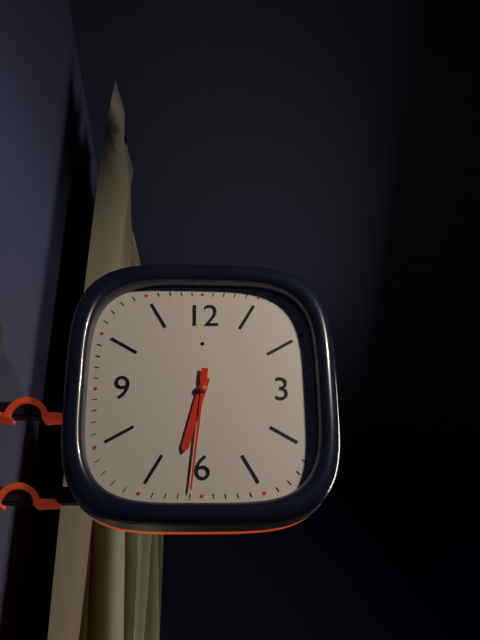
6:31
